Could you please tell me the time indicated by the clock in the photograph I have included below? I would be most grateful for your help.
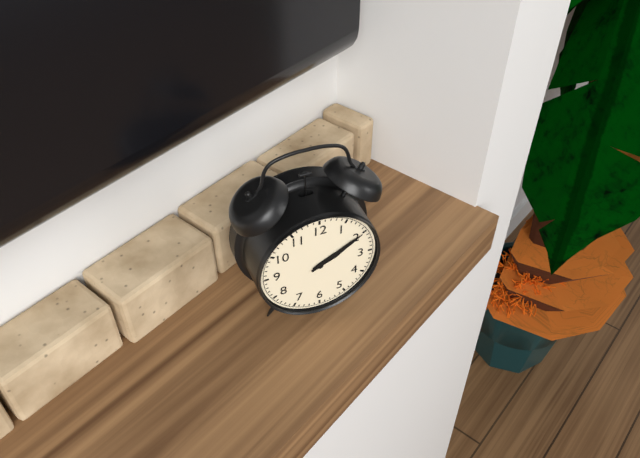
2:10
